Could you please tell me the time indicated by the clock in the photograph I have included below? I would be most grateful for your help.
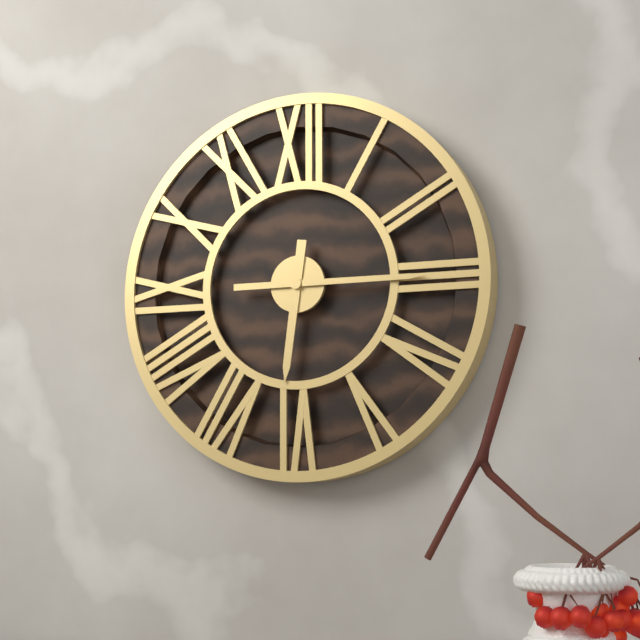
6:15
